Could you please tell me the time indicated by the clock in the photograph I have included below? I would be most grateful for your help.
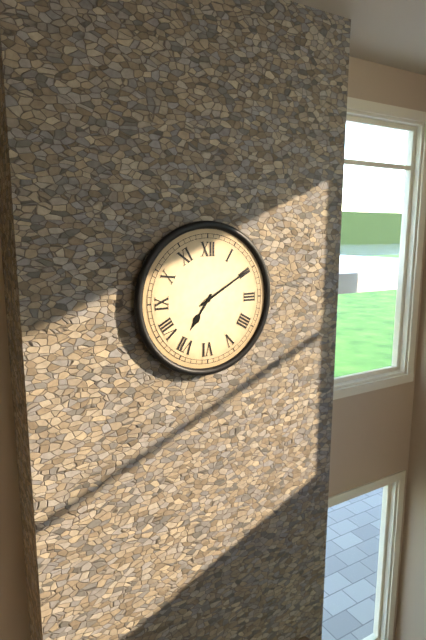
7:10
